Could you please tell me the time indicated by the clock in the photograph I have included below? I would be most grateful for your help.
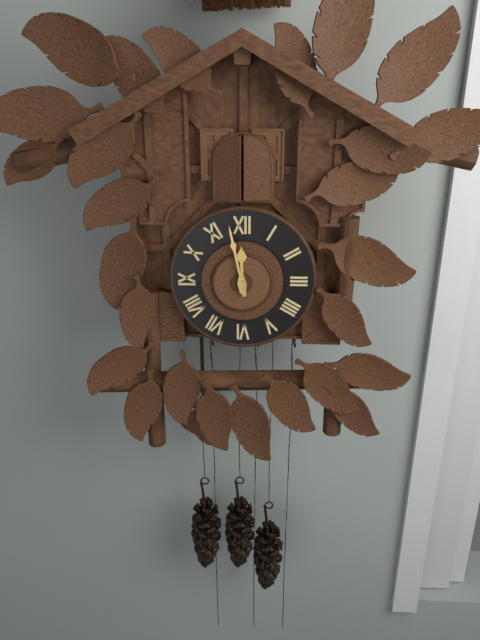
11:58
